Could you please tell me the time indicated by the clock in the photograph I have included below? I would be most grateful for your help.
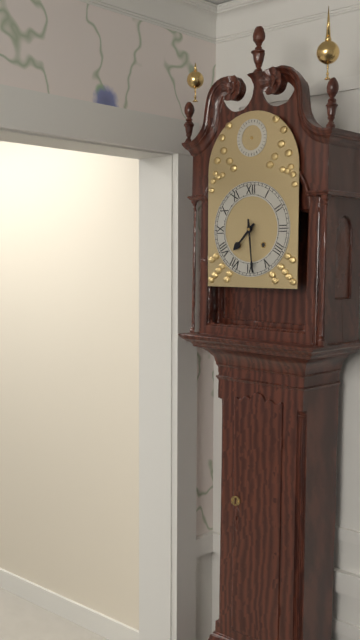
7:29
